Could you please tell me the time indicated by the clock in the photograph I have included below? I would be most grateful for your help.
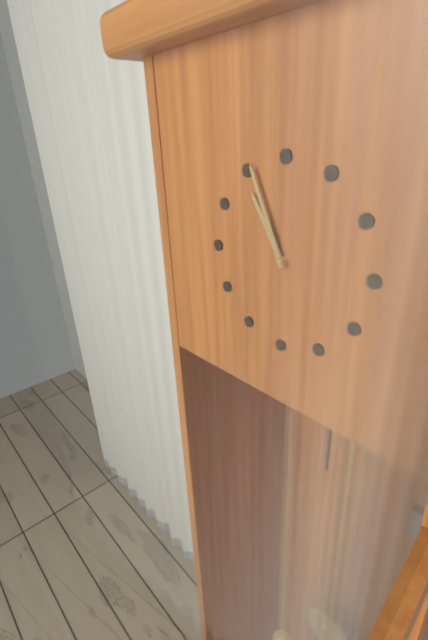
10:56
